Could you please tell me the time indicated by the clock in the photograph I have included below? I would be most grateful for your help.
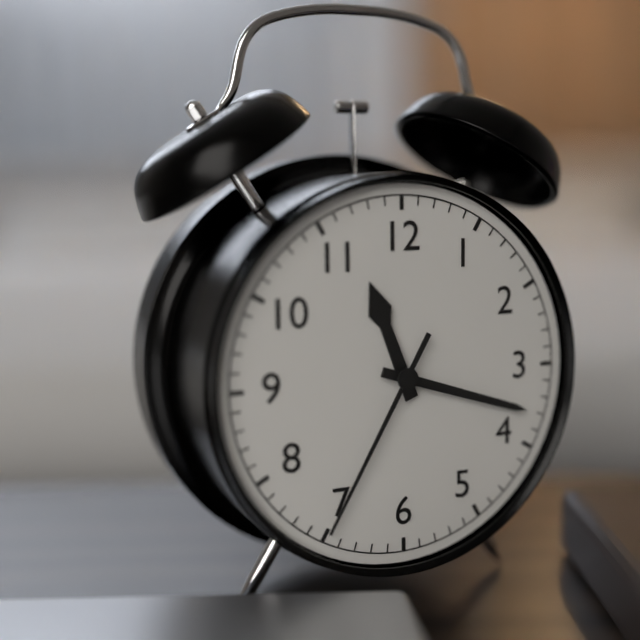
11:18:35
